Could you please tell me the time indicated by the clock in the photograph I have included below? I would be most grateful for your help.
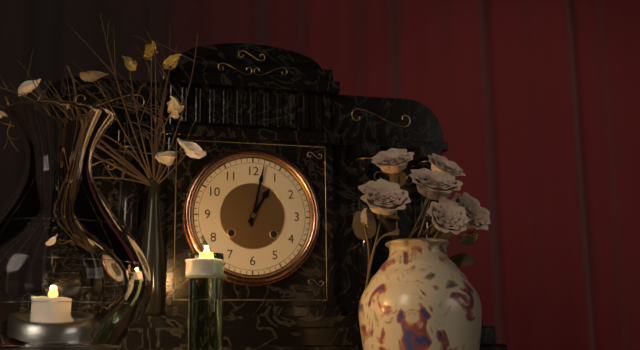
1:02
